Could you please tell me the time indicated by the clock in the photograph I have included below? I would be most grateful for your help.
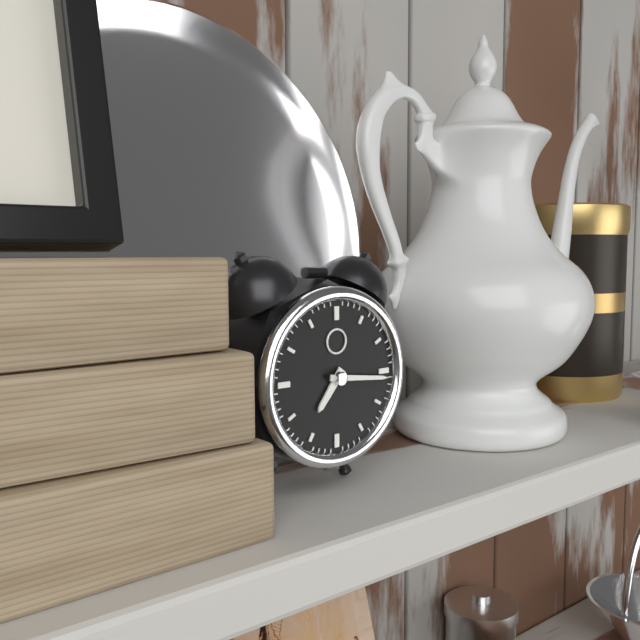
7:16
